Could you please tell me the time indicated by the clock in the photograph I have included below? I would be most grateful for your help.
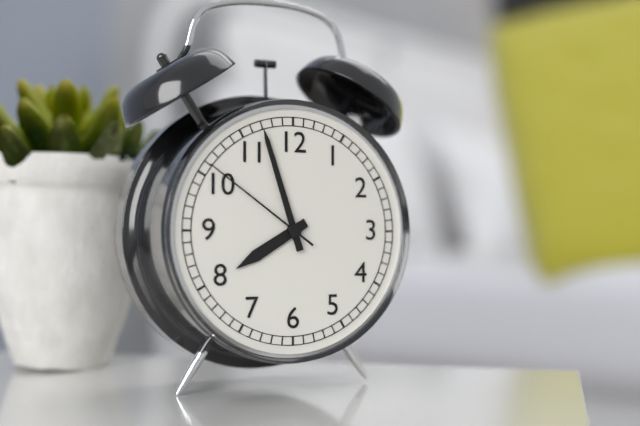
7:57:51
